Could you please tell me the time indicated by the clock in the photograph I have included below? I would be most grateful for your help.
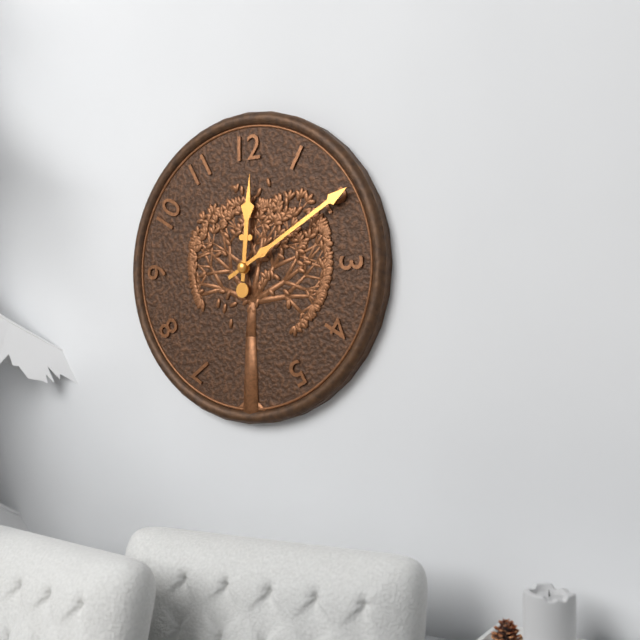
12:10
